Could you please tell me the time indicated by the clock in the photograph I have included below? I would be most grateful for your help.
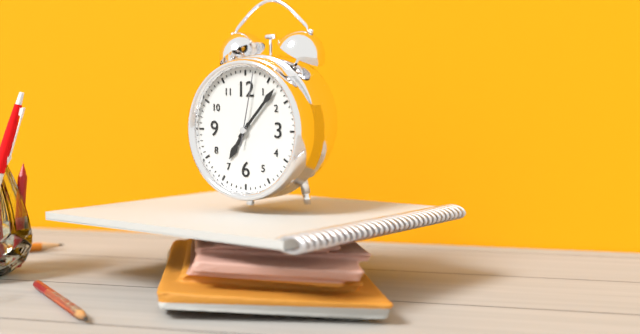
7:07:02
